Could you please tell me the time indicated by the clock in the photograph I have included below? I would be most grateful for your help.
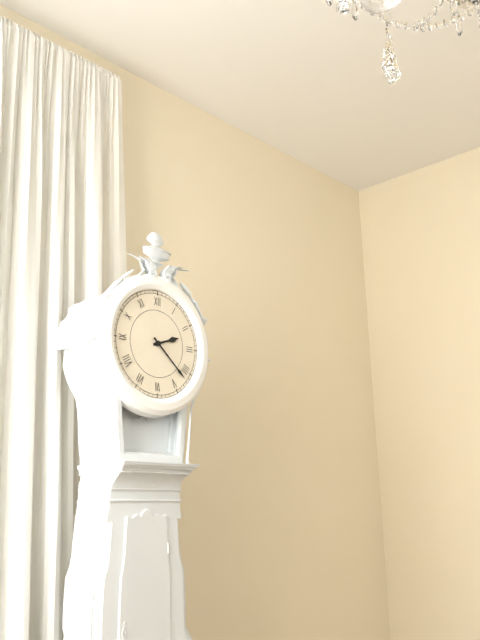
2:22
